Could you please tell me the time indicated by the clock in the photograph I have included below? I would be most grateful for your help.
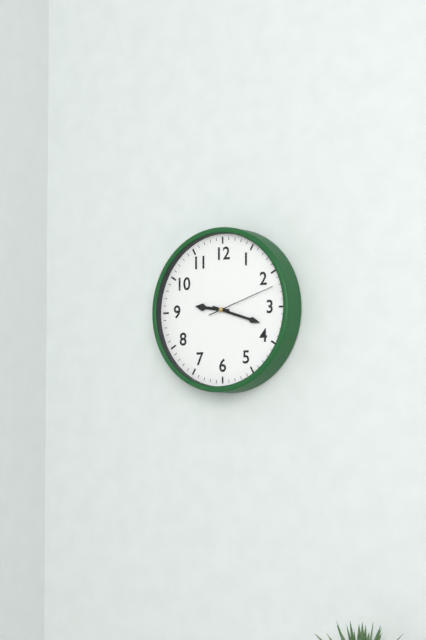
9:18:12
